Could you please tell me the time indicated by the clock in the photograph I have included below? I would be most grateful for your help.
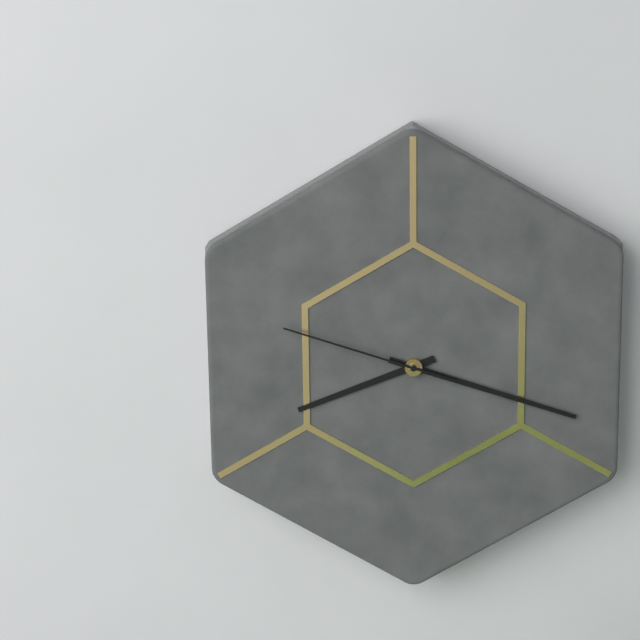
8:18:48
